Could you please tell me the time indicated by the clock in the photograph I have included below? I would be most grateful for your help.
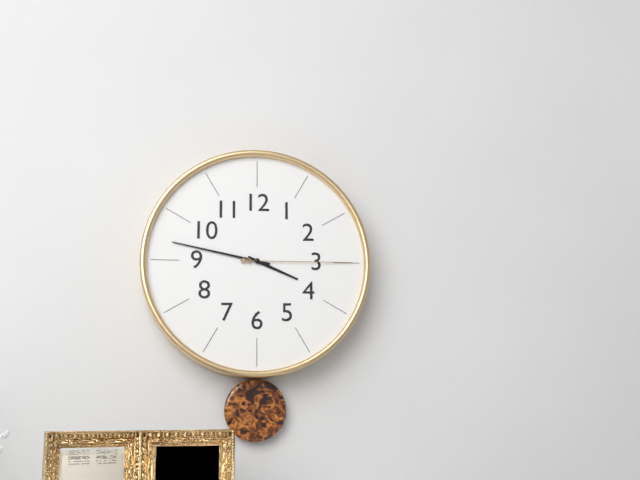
3:47:15
